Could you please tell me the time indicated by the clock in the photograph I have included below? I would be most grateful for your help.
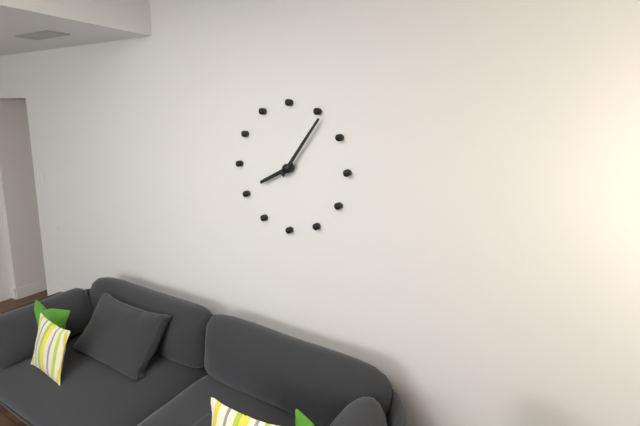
8:06
